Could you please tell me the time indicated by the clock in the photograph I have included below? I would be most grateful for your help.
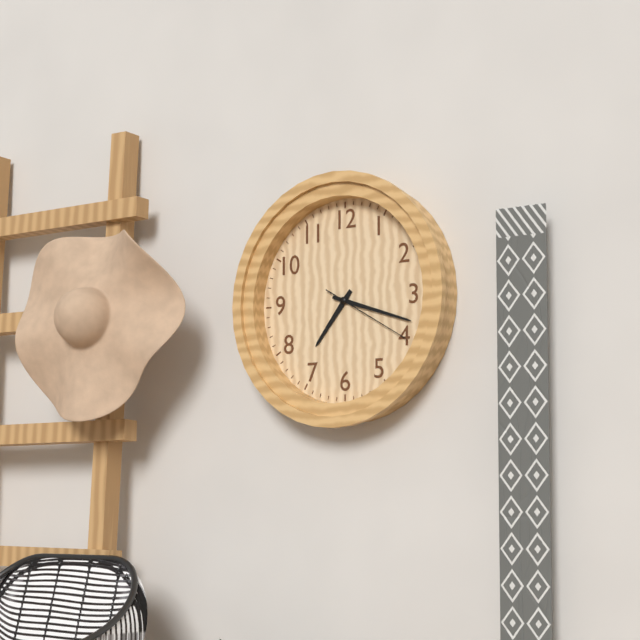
7:18:20
